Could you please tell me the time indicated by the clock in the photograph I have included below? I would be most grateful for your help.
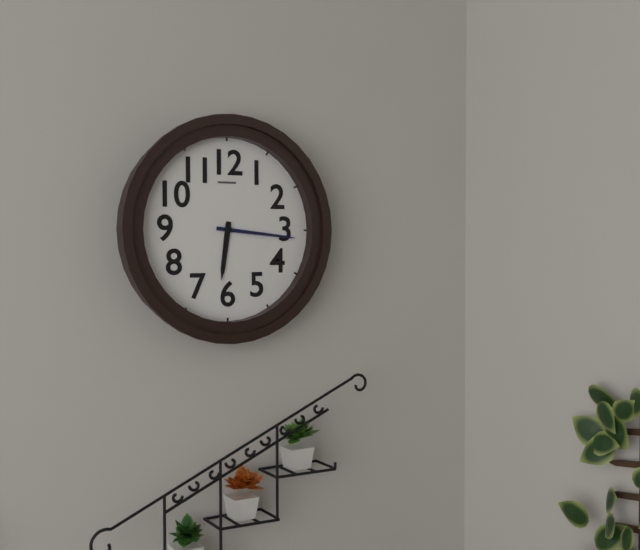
6:16
